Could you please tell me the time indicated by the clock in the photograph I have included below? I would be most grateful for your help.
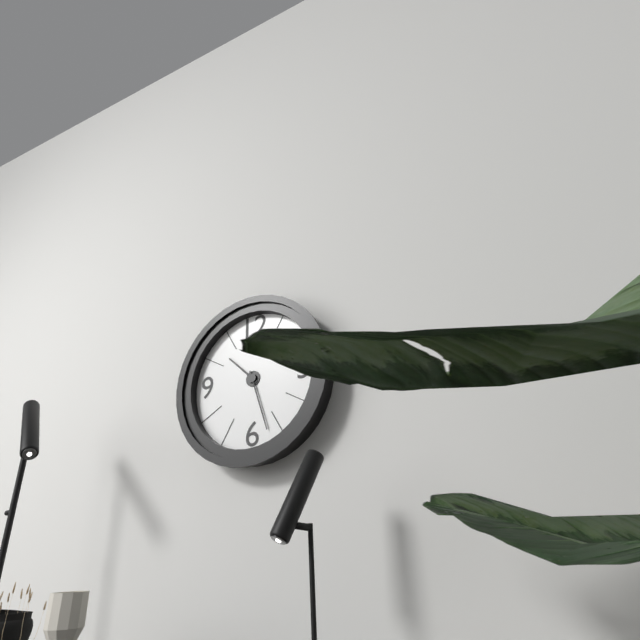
10:27
